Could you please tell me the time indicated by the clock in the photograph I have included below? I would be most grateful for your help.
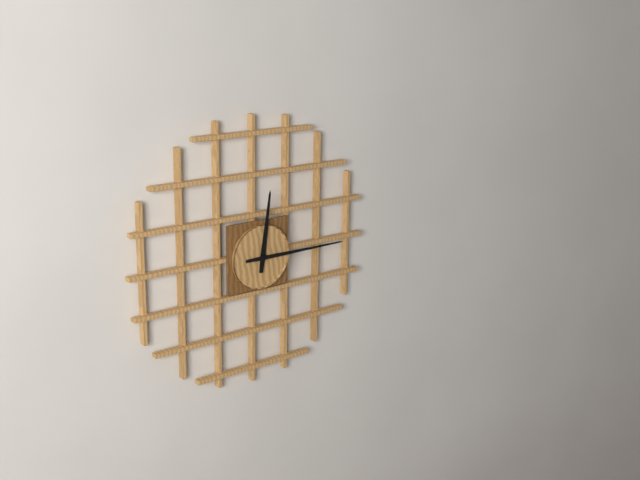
12:15
